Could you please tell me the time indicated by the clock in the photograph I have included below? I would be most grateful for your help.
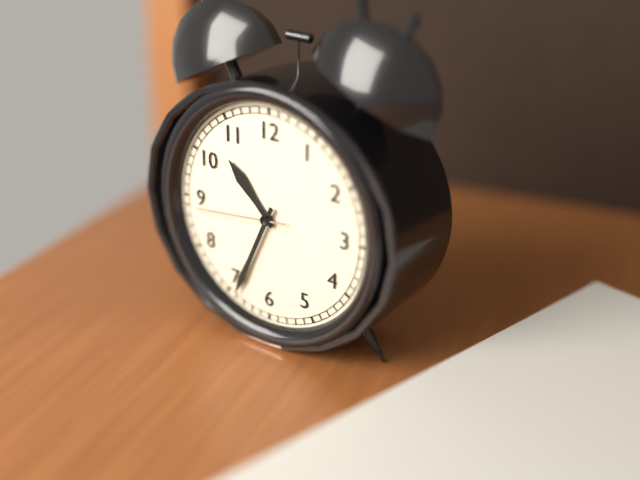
10:34:44
